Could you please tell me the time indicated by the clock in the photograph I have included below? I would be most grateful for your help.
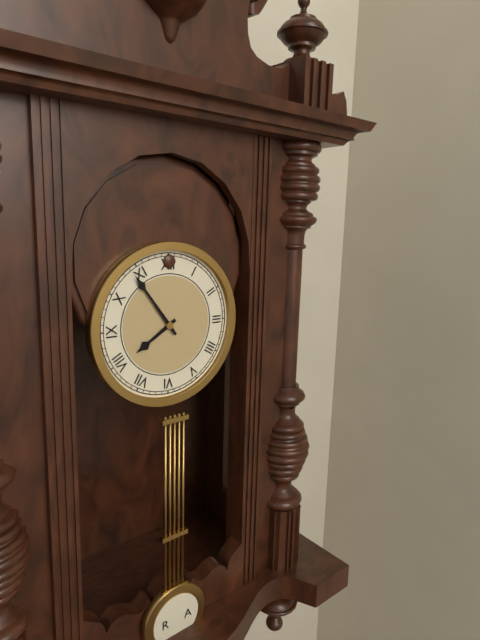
7:54
